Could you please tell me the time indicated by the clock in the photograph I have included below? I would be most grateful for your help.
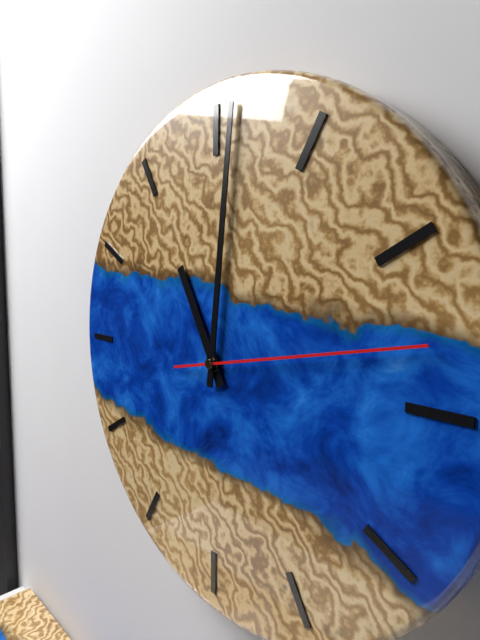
11:01:13
